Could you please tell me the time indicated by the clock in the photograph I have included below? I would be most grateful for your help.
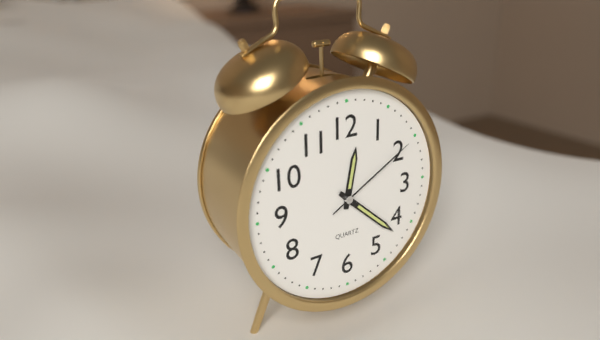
12:22:10
